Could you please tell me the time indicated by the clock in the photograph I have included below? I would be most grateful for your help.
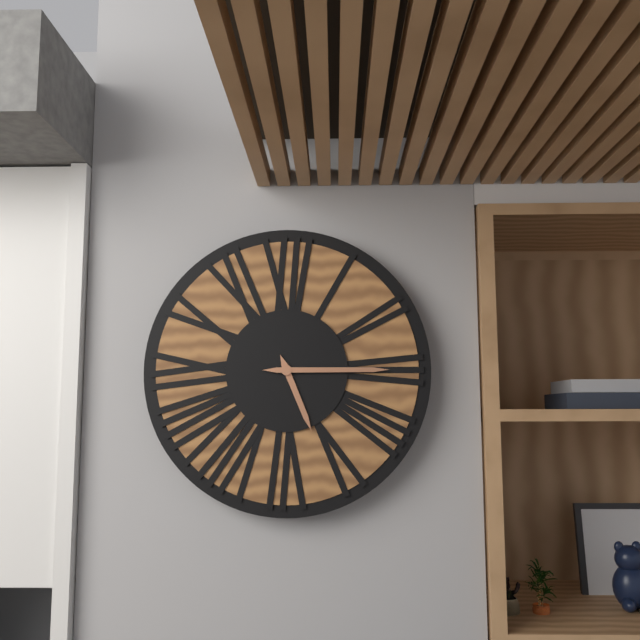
5:15
